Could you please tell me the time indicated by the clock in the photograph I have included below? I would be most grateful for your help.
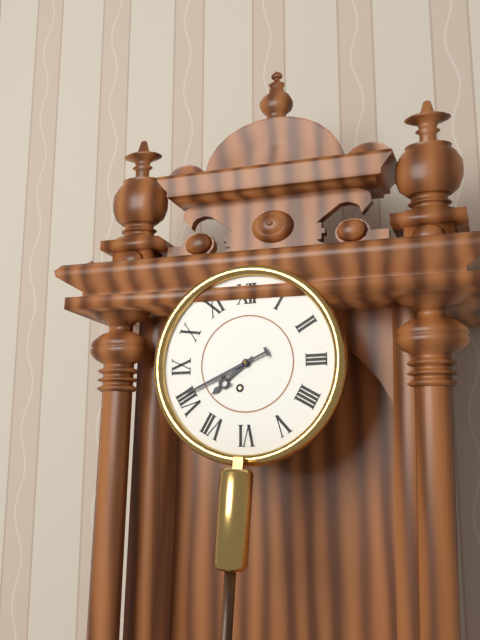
7:41
